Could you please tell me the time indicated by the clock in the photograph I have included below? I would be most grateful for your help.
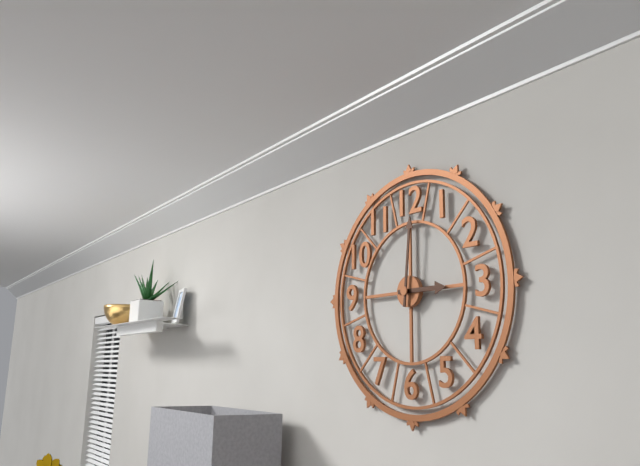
3:01
